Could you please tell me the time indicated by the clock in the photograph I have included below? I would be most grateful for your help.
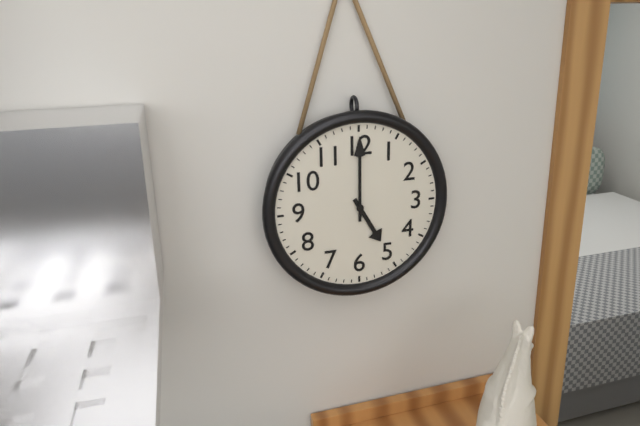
5:00
